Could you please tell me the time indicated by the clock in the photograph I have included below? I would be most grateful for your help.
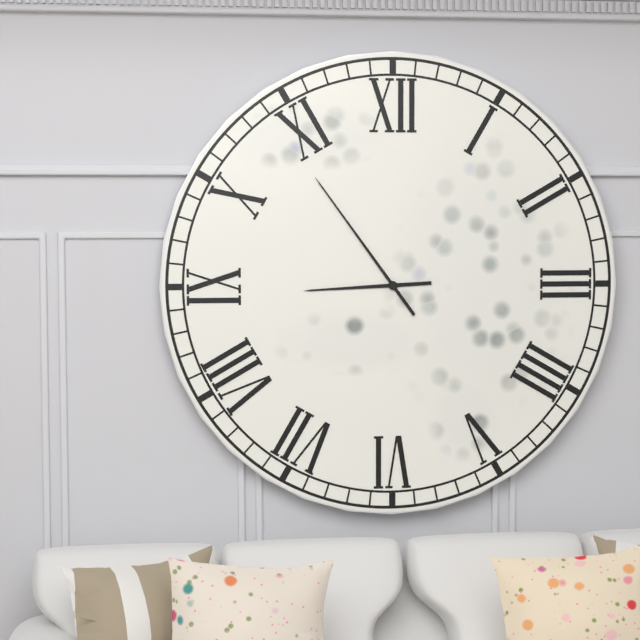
8:54
